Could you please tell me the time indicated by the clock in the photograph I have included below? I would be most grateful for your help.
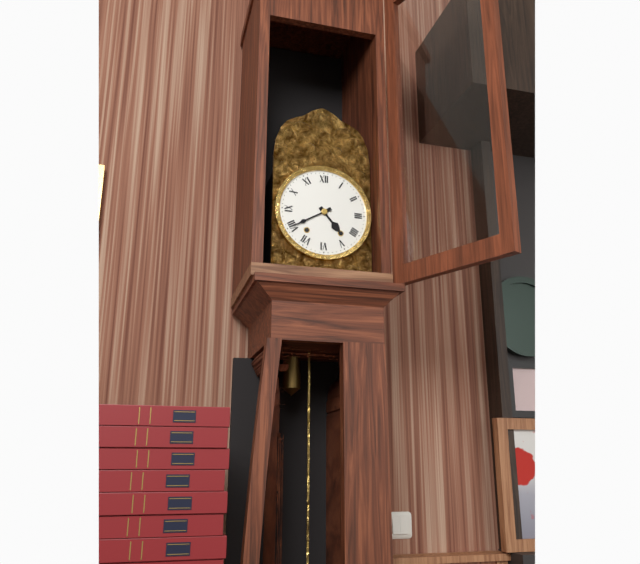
4:40
